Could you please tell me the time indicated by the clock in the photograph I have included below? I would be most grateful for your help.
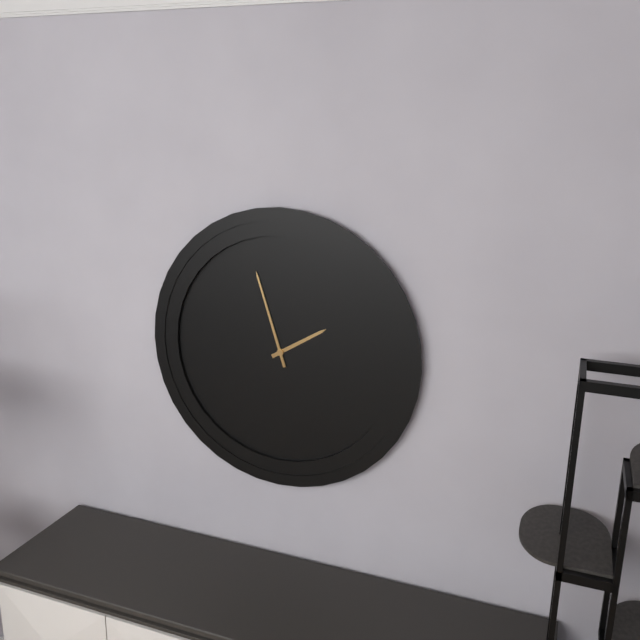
1:57
